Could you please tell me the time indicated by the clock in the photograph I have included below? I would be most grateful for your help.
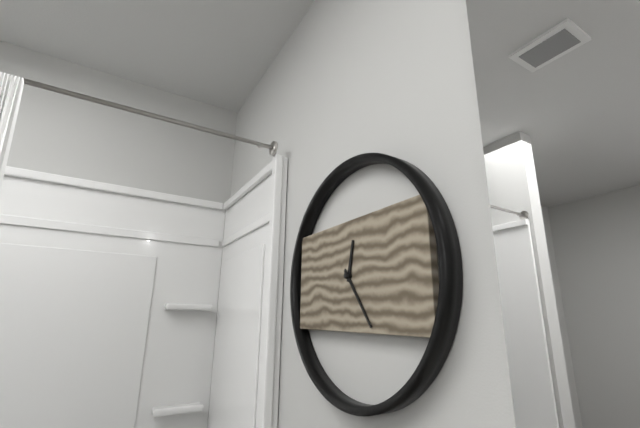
12:24
